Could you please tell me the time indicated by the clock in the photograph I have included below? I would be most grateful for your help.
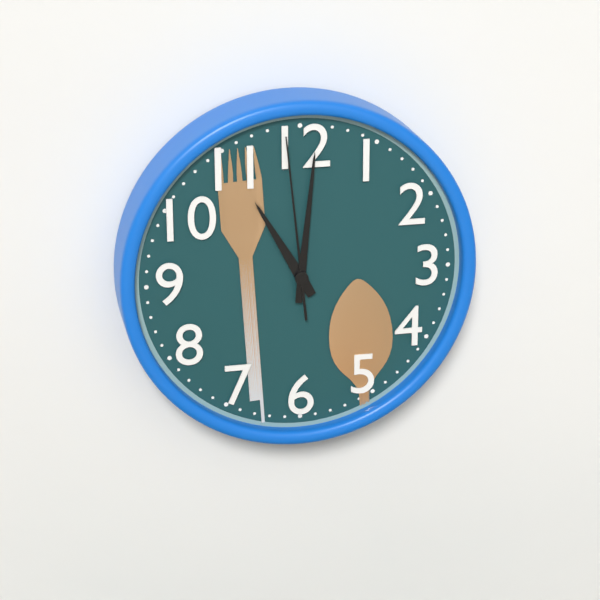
11:01:59
